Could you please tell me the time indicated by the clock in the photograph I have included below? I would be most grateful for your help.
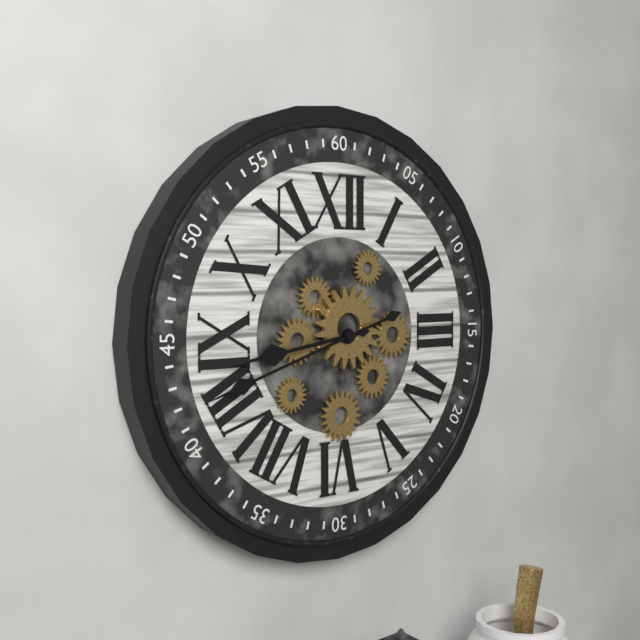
8:42
